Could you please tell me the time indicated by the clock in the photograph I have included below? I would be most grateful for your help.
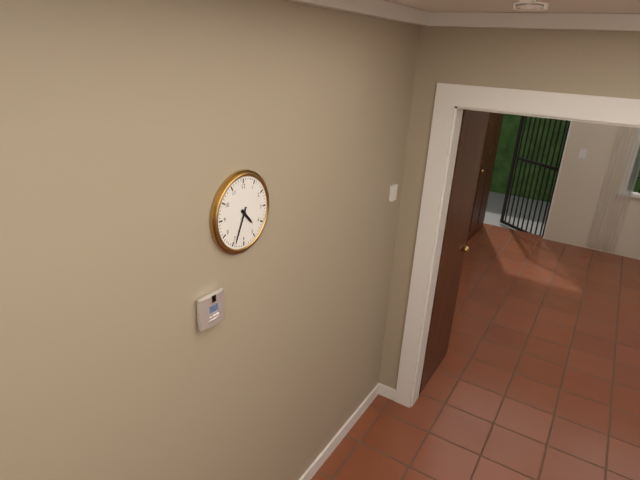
4:34
